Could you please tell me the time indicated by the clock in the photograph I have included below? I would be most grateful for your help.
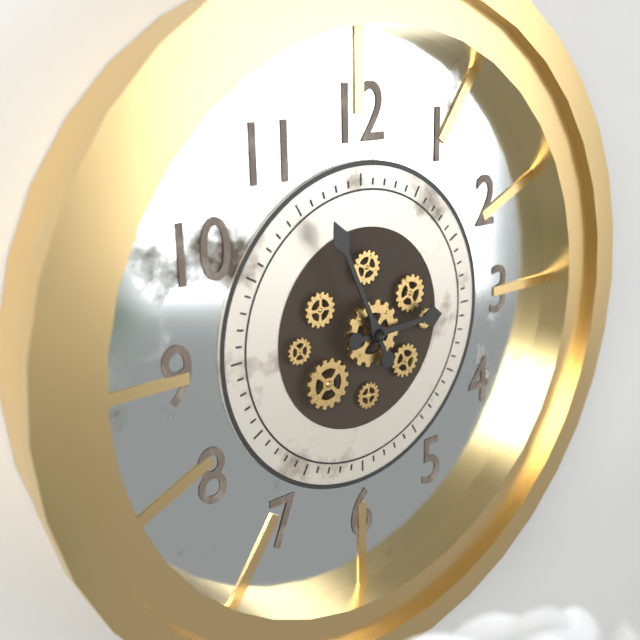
2:56
